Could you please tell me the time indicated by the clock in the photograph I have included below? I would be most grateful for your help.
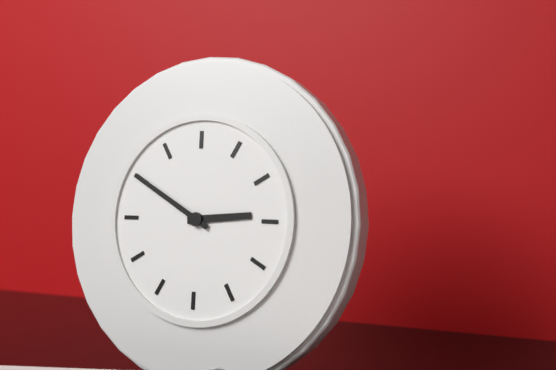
2:50
